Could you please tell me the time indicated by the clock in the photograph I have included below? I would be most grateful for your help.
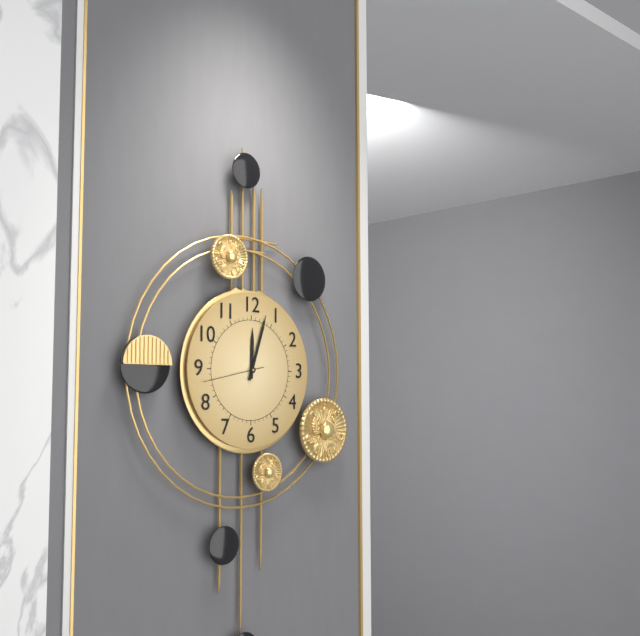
12:03:43
